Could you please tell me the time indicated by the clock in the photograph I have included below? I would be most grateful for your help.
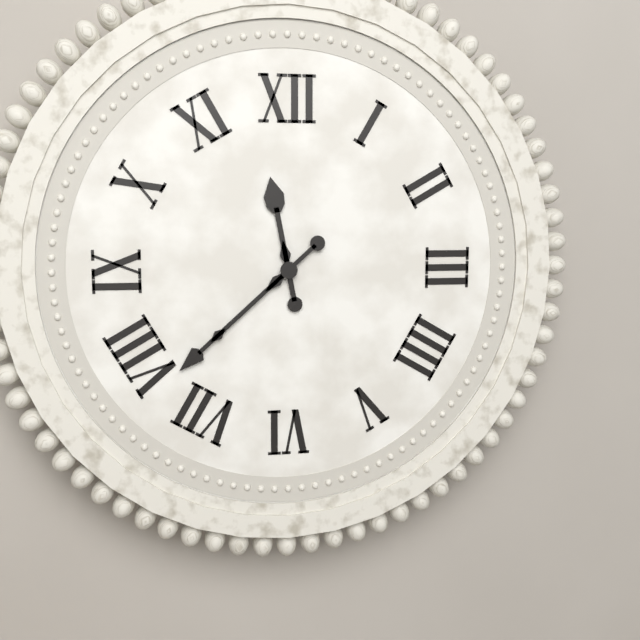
11:38
